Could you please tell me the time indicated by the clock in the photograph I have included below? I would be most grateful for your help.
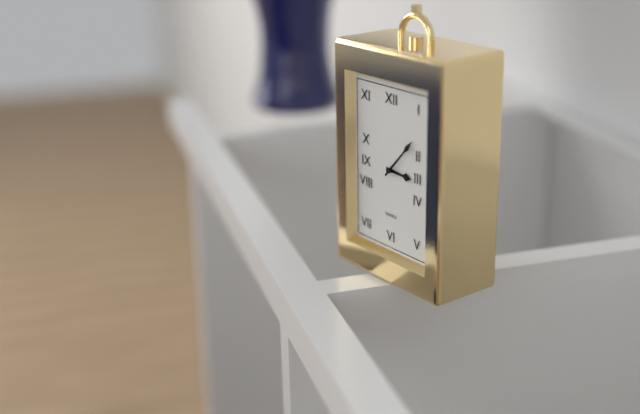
3:07
